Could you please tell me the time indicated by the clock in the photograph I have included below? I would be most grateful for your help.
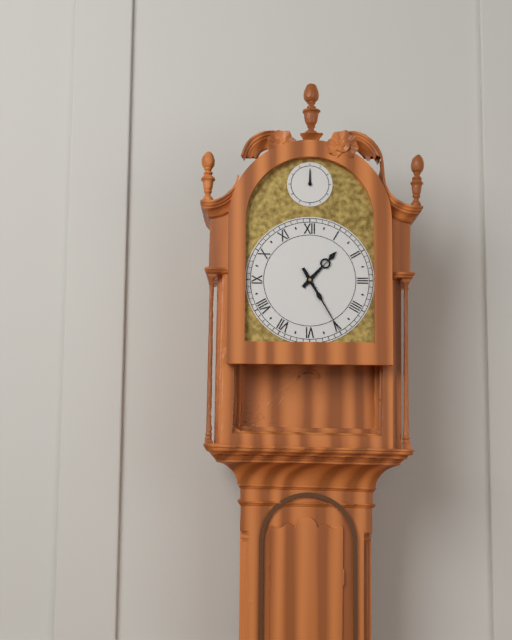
1:25
